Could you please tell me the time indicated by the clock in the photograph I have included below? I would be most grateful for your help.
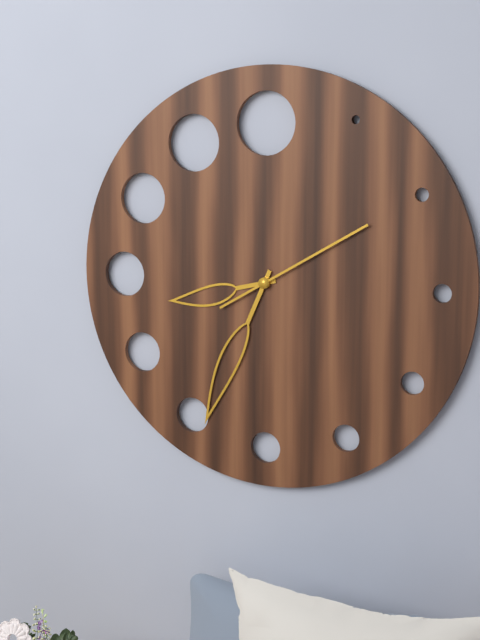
8:34:10
